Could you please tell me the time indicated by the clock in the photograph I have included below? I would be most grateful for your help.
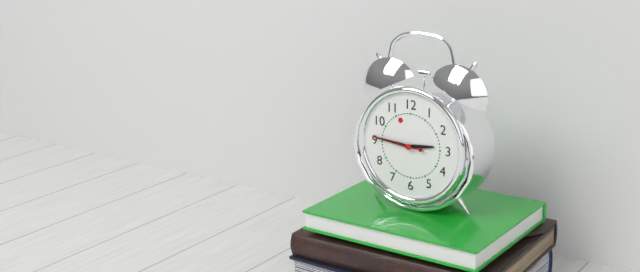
2:46
